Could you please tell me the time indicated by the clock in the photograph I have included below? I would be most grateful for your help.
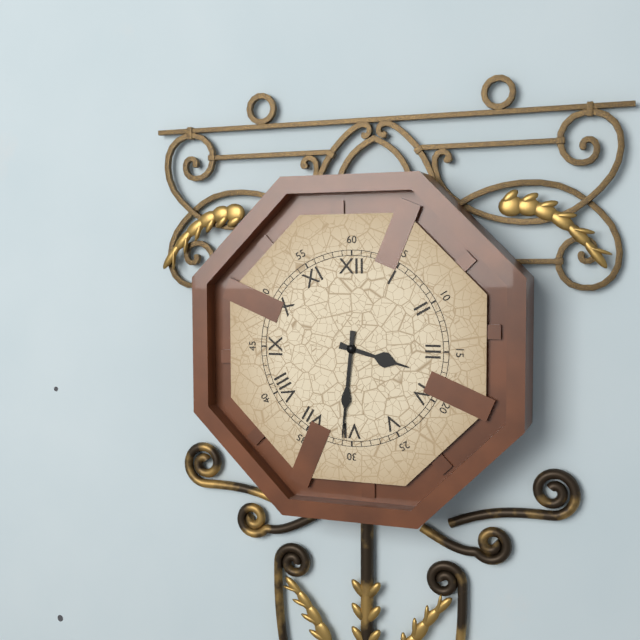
3:31
